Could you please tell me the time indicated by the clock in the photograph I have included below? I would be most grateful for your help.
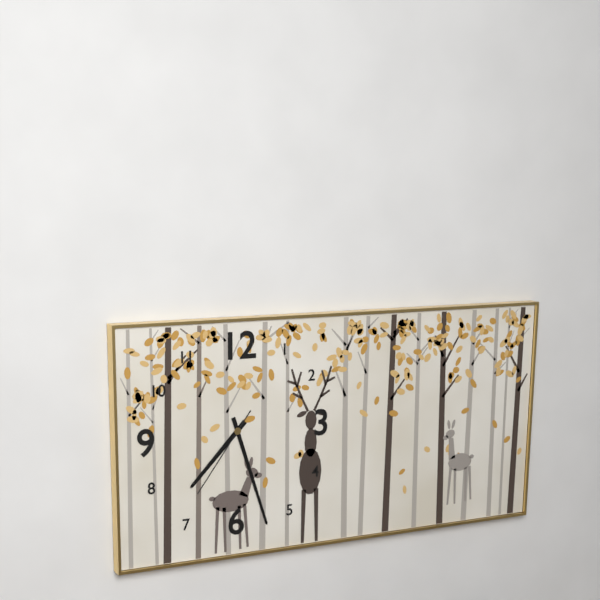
7:27:36
